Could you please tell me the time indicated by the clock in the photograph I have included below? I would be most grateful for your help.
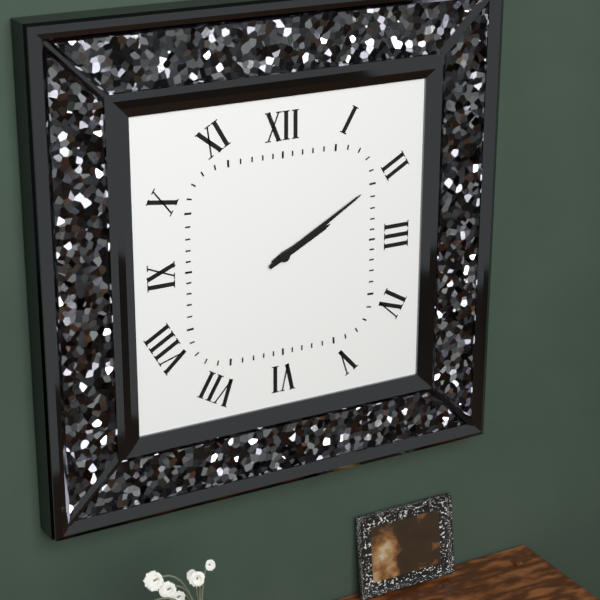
2:10
